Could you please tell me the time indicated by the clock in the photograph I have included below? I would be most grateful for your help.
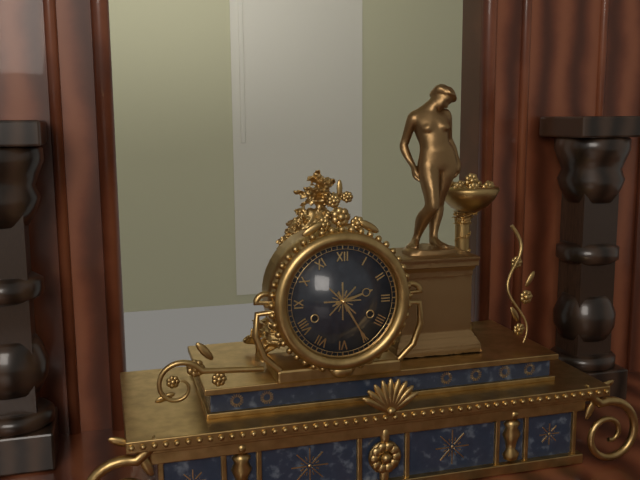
2:25
